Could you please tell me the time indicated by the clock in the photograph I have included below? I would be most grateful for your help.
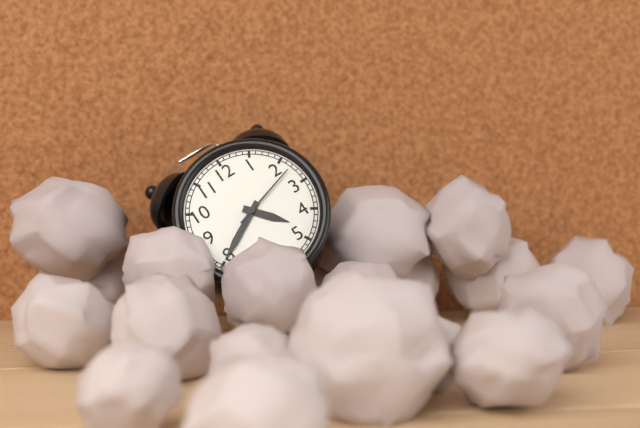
4:40:12
